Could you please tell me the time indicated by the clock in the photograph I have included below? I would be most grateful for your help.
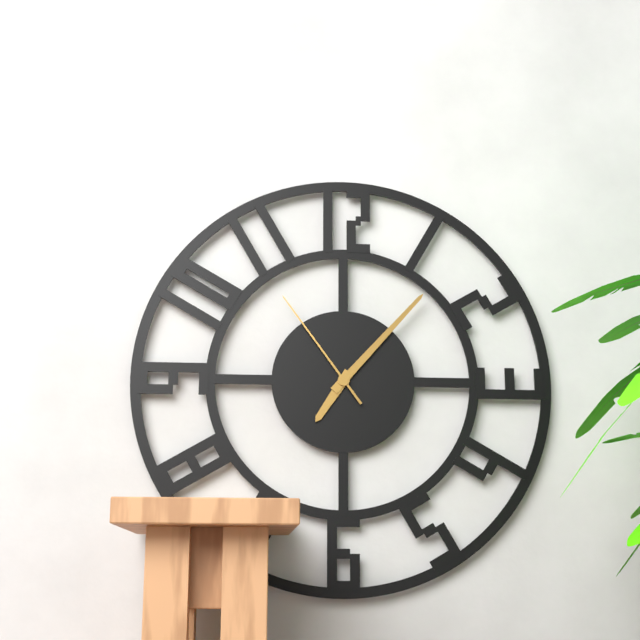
7:07:54
